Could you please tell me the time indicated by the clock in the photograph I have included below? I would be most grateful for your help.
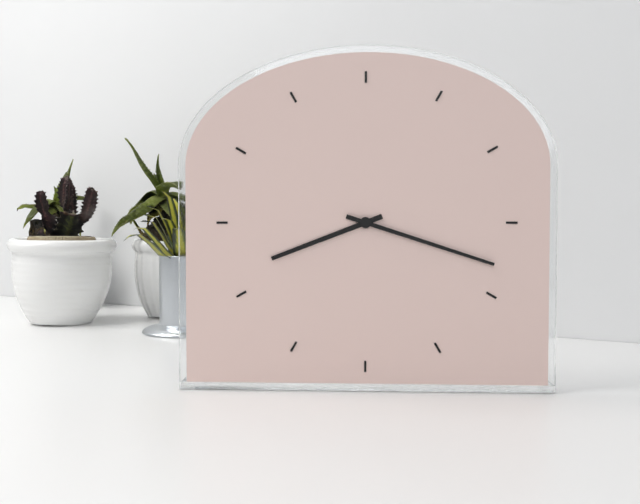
8:18
